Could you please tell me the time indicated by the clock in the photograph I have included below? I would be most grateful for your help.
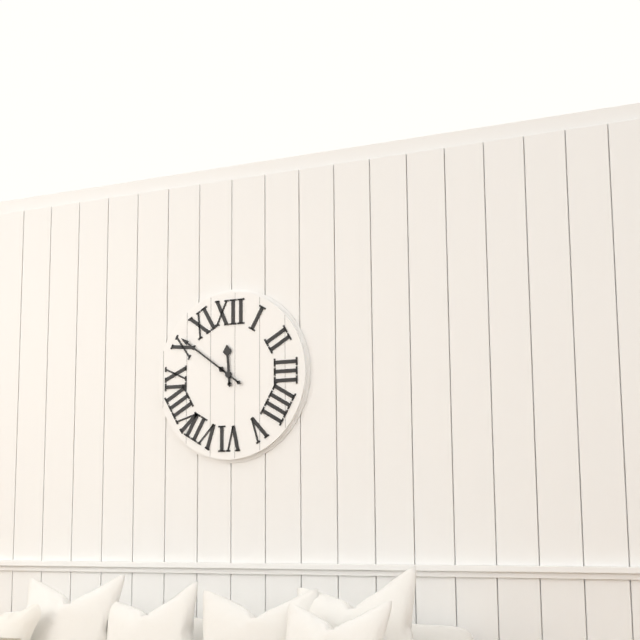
11:51
